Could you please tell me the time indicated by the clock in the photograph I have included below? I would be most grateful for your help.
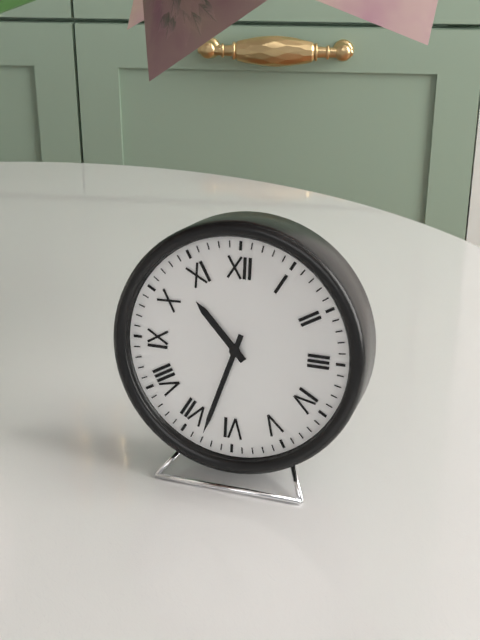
10:33
